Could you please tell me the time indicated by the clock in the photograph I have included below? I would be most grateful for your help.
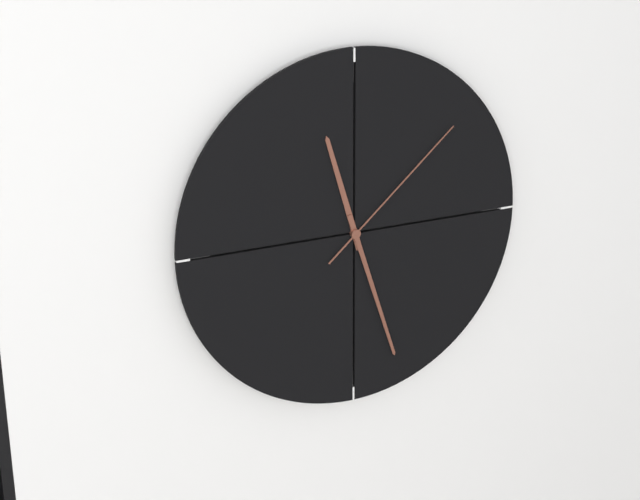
11:27:08
